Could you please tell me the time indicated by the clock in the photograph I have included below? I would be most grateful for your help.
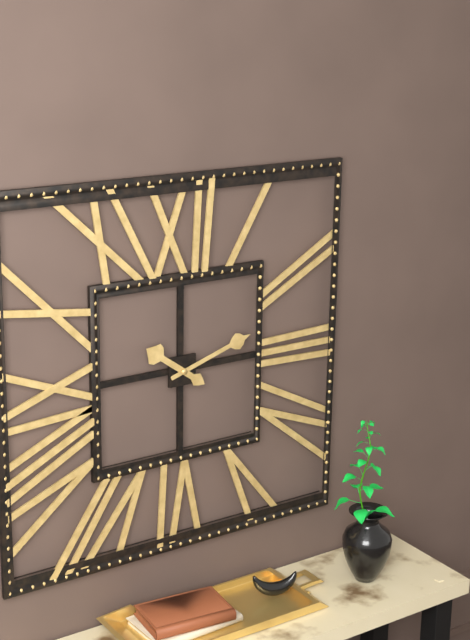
10:12
